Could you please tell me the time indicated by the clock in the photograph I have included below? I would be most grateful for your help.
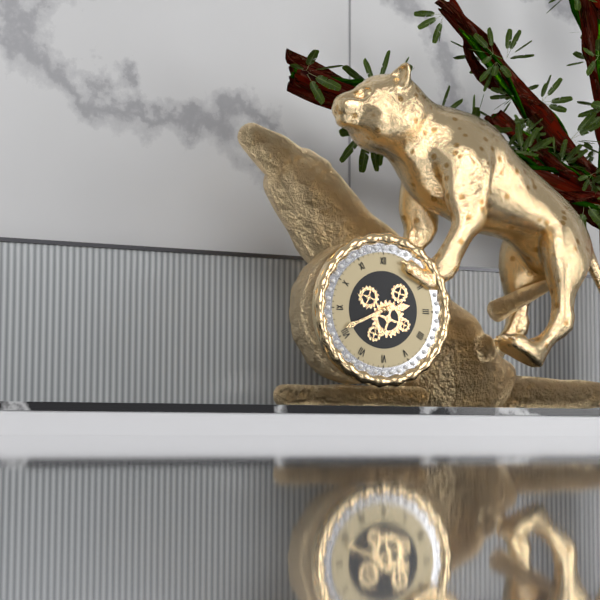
2:41
